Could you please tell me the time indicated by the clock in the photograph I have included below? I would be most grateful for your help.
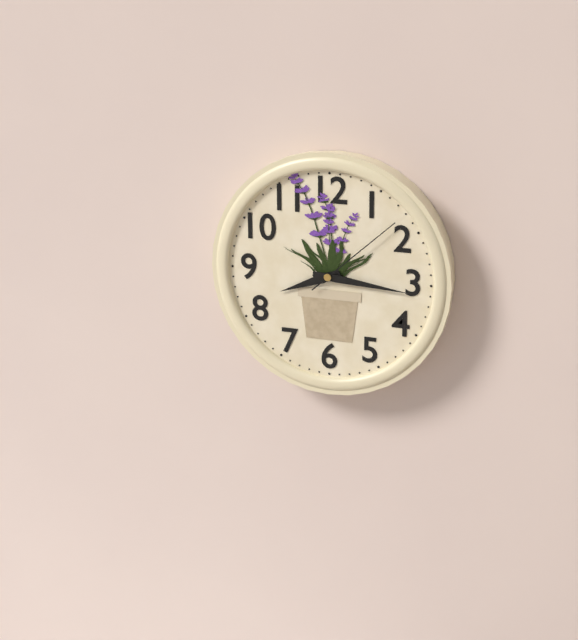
8:16:08
